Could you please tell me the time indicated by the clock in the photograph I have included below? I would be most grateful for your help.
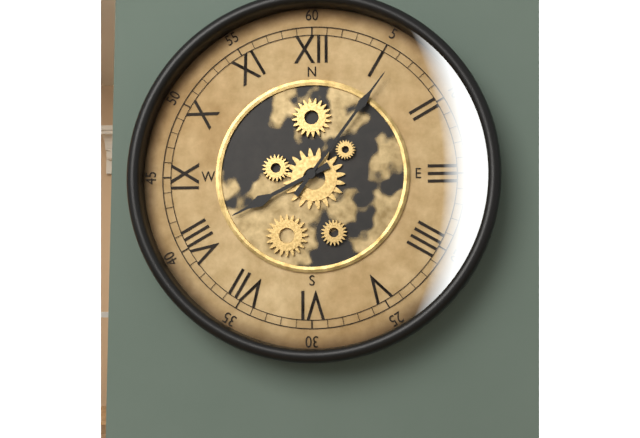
8:06
